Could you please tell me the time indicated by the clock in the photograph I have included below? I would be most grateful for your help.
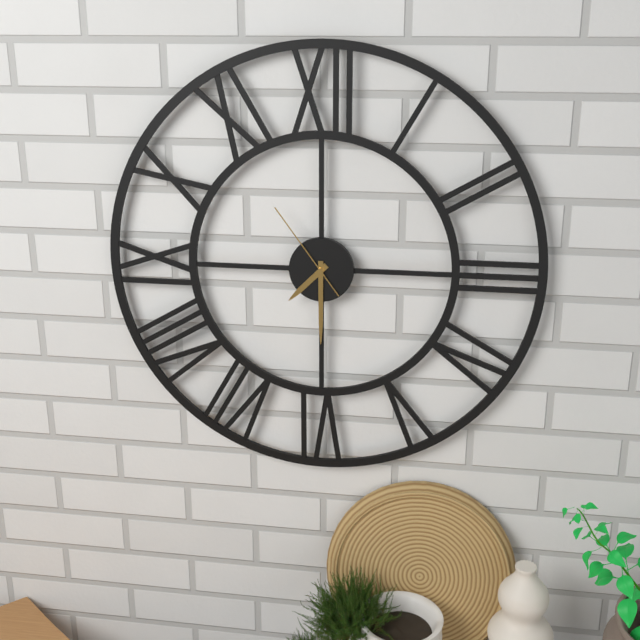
7:30:54
